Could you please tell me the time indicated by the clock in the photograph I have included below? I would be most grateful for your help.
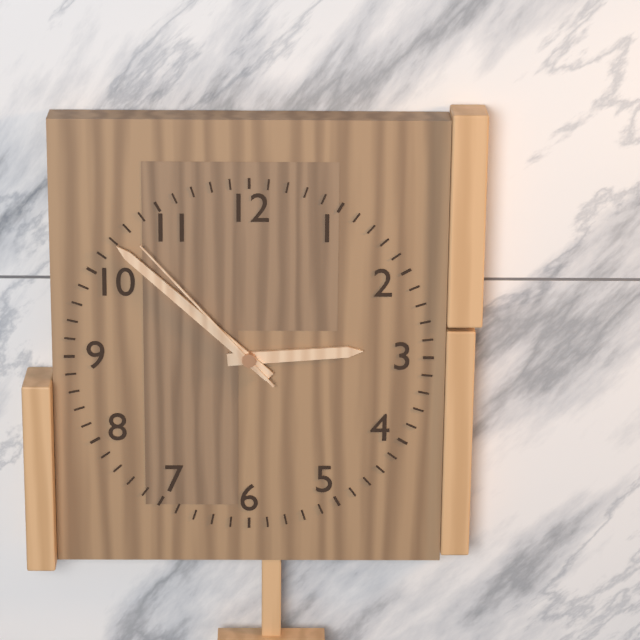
2:52:53
